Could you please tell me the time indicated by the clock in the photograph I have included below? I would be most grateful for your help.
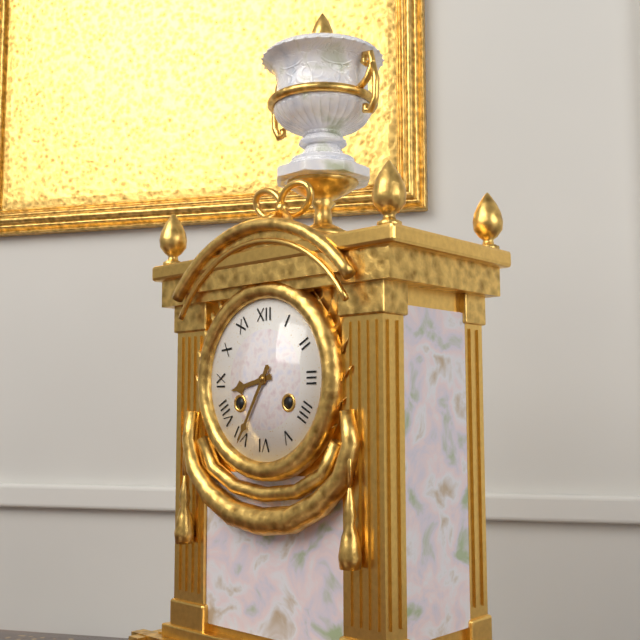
8:35
